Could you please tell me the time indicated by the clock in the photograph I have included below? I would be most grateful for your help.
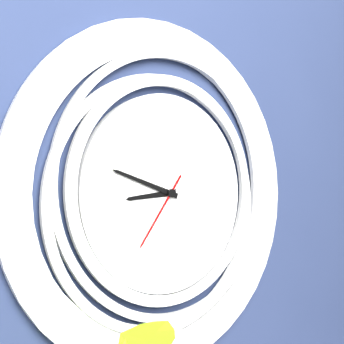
8:48:36
